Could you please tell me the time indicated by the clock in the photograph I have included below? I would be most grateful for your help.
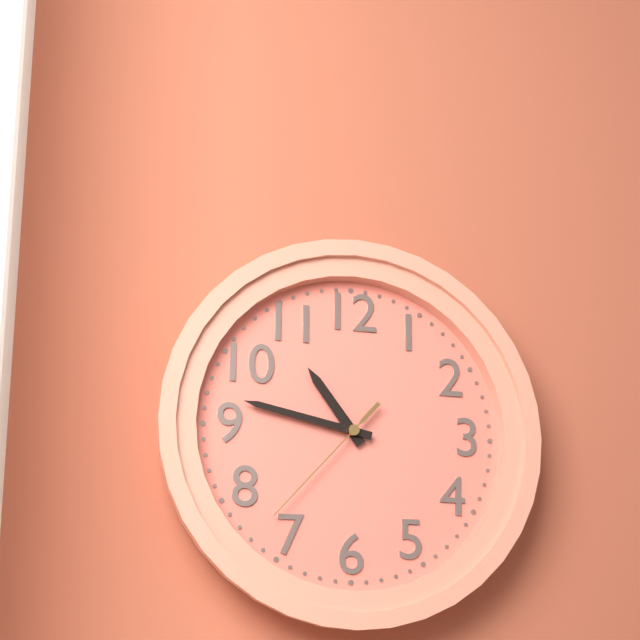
10:47:37
